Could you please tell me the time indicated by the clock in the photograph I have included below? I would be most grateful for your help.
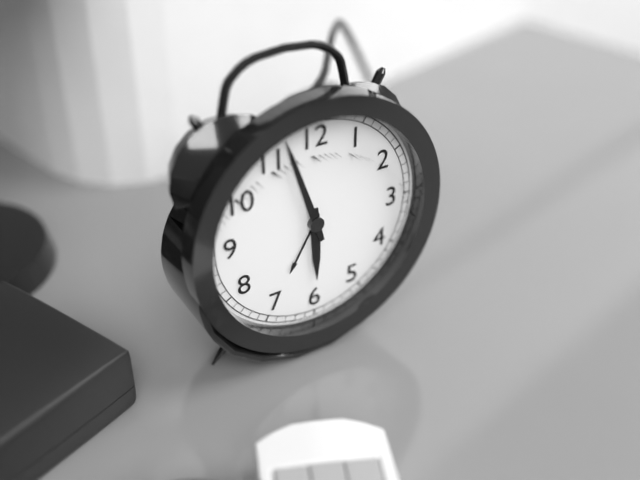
5:57
